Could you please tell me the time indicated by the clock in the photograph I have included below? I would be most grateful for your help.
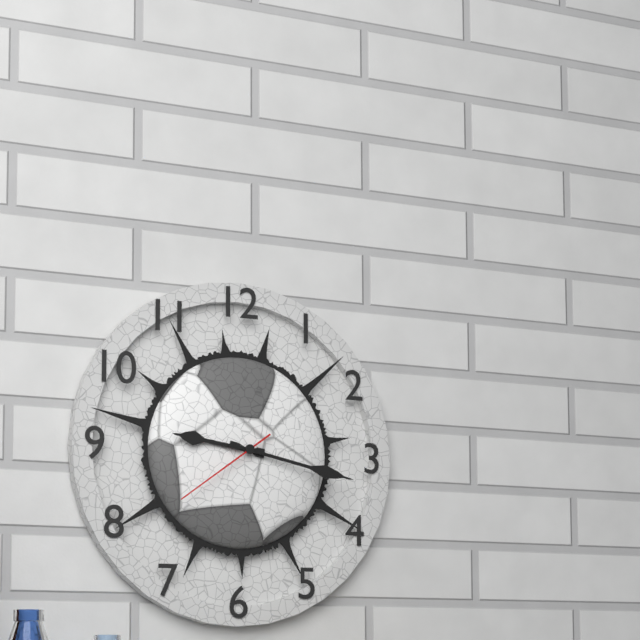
9:17:39
